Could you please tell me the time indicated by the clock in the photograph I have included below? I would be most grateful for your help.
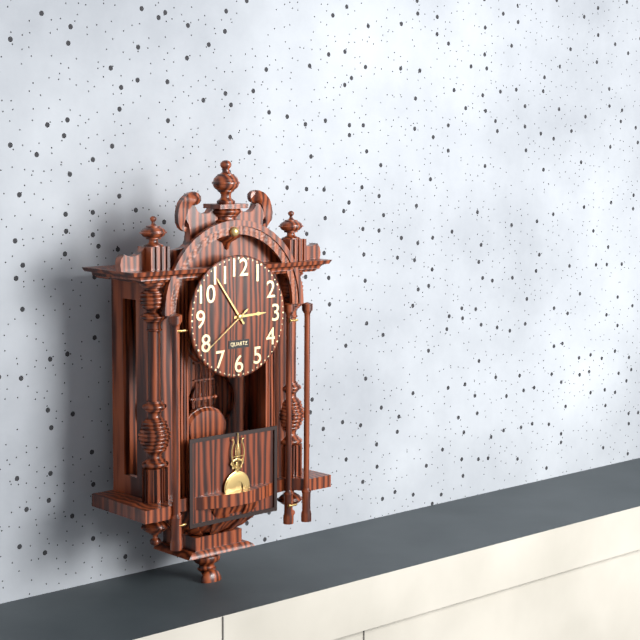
2:54:39
